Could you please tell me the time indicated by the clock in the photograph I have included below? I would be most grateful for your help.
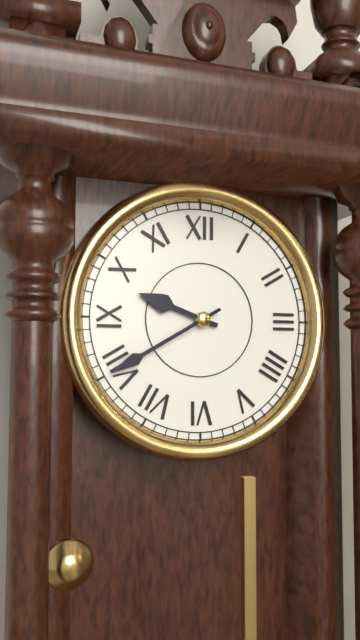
9:40
